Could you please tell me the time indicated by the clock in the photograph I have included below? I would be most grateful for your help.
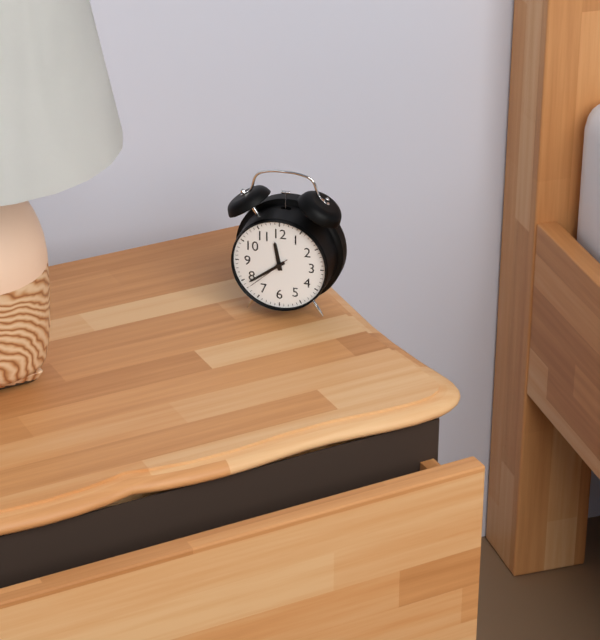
11:39
